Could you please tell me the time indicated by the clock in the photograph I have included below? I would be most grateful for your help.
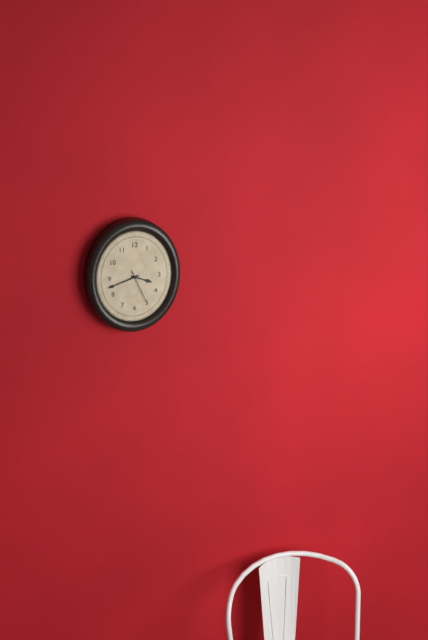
3:42
